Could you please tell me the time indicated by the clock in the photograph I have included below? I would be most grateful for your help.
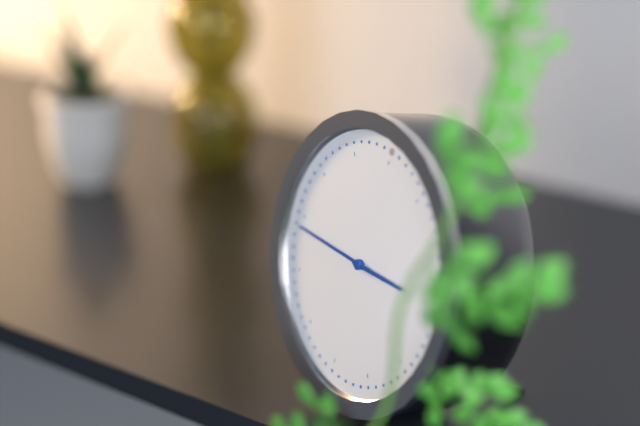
2:44
